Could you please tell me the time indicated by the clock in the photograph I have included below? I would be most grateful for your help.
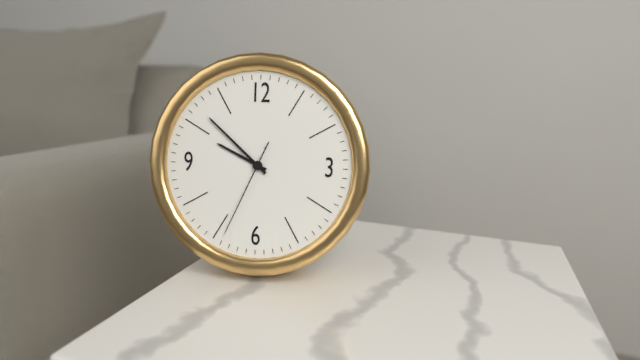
9:52:34
